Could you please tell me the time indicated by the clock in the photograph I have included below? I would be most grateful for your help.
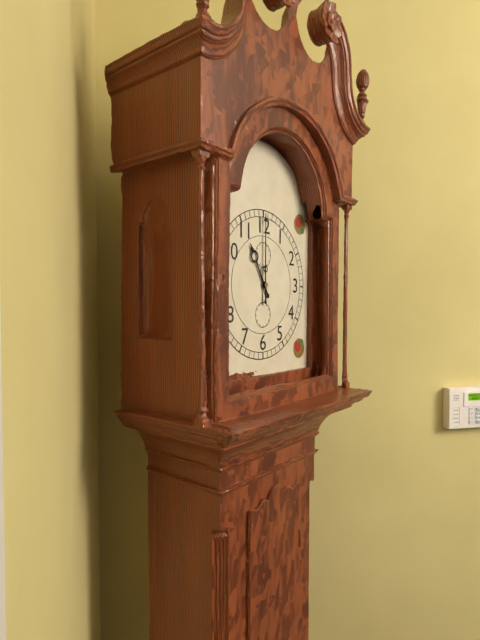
11:00
